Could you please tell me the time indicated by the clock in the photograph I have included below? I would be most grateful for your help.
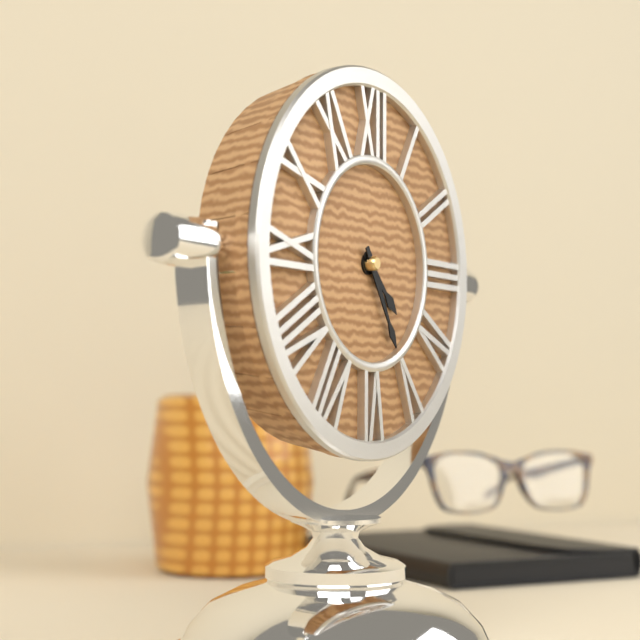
4:25
